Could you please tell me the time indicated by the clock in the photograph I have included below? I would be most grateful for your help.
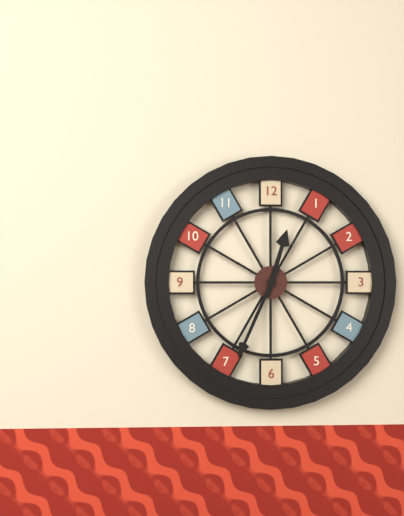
12:34
